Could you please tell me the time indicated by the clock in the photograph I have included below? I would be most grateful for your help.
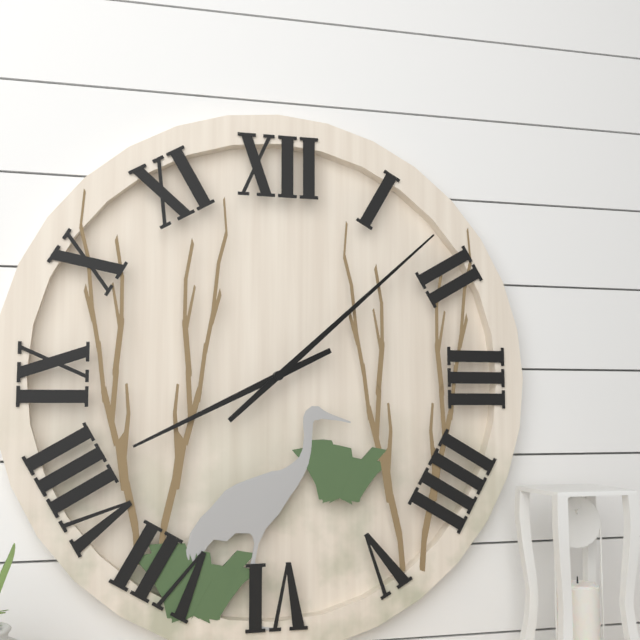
8:08
